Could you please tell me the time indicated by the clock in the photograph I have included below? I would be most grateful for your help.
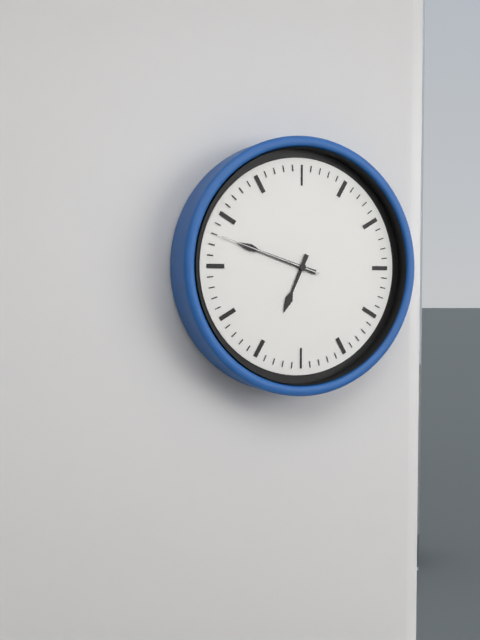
6:48:48
